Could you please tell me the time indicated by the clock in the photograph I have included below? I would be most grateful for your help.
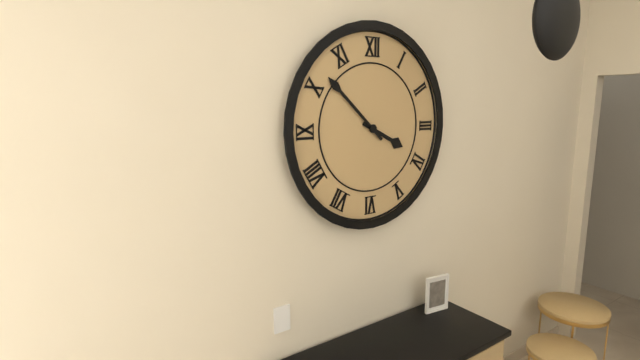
3:52
